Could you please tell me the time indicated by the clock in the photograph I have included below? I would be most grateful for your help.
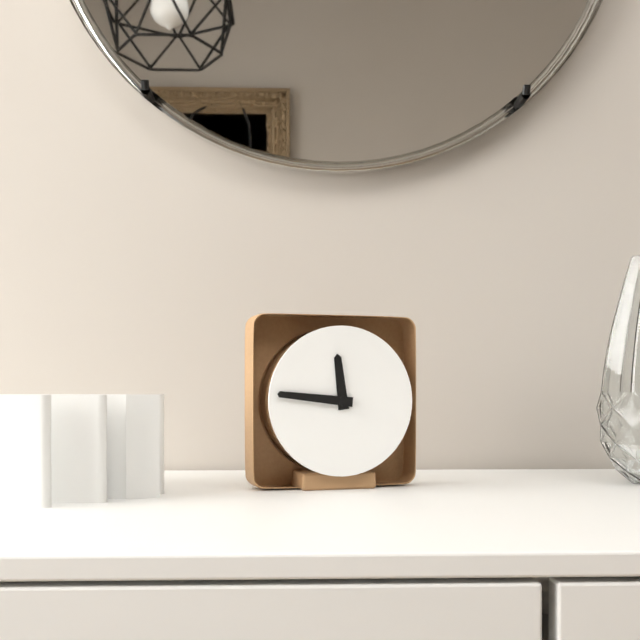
11:46
